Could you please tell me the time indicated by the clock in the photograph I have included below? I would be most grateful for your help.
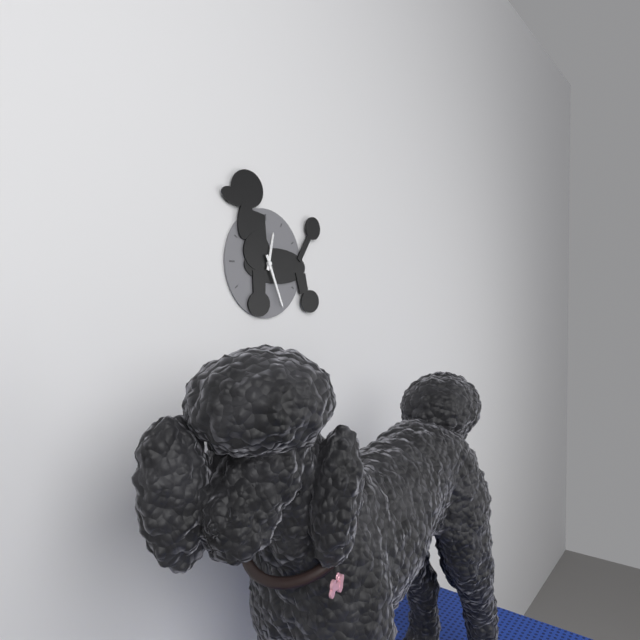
12:26
